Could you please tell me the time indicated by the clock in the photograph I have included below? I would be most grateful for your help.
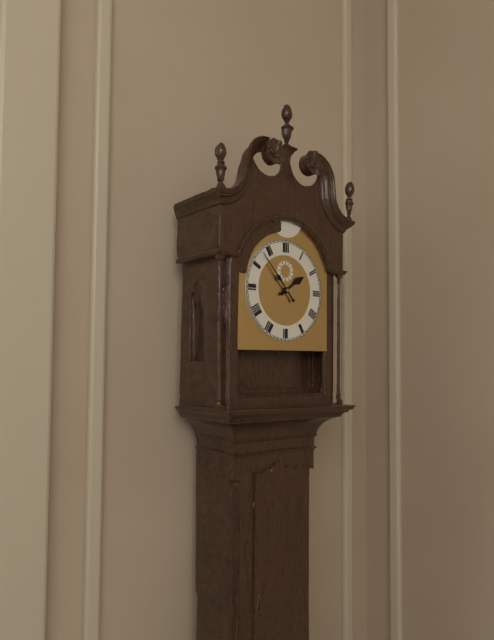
1:53
